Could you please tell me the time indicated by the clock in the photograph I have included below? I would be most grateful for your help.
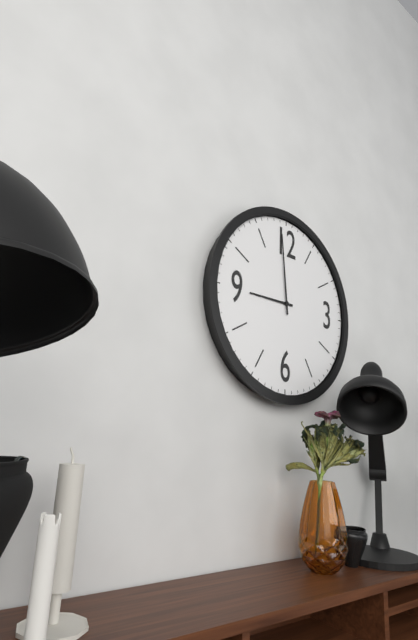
8:59
